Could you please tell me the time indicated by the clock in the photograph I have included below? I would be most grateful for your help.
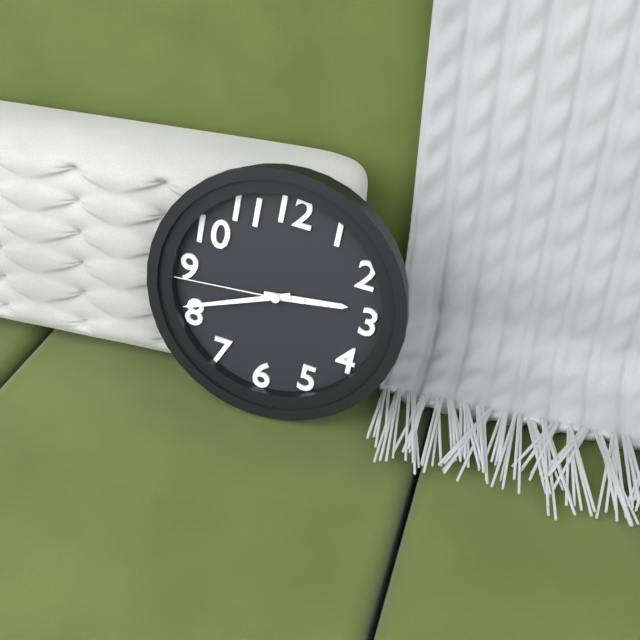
2:41:44
